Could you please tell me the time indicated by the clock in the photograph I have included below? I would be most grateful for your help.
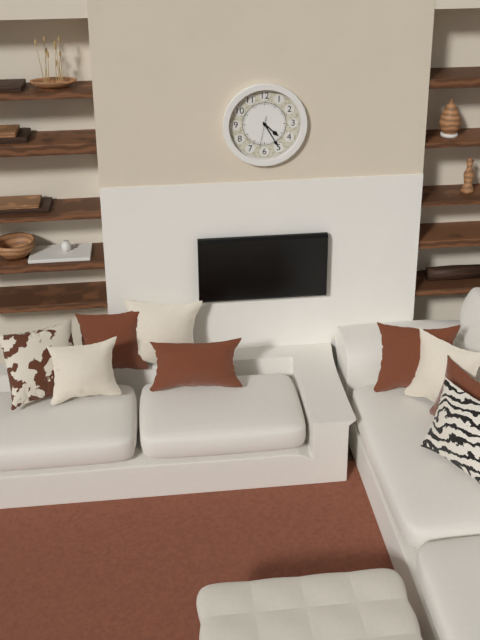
4:25
